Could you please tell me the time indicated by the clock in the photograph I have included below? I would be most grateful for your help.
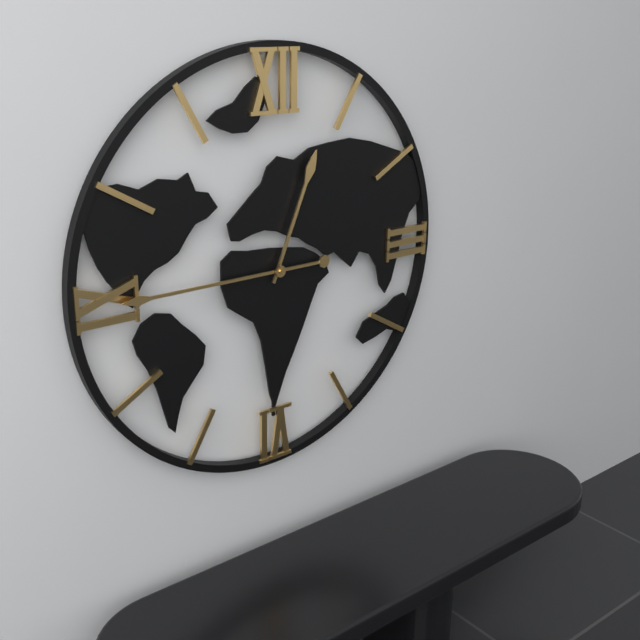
12:45
